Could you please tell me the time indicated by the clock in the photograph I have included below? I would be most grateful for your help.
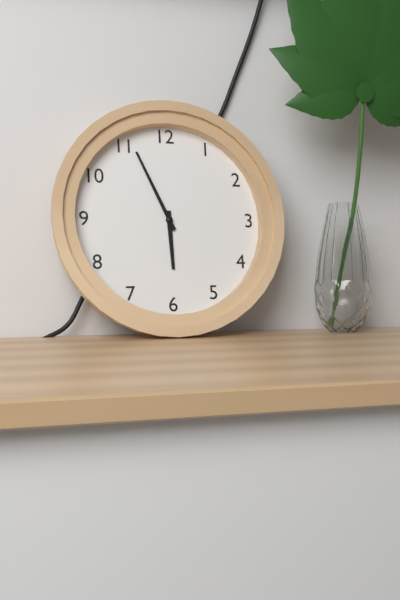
5:56
